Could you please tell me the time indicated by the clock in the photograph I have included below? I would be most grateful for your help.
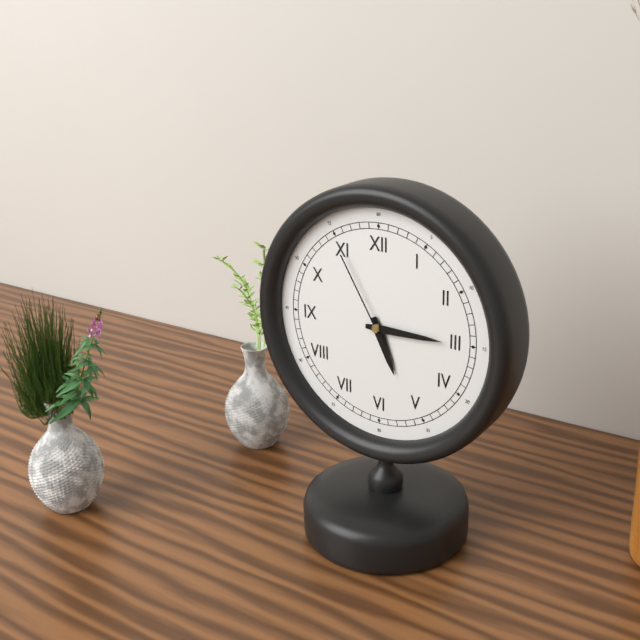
5:15:55
